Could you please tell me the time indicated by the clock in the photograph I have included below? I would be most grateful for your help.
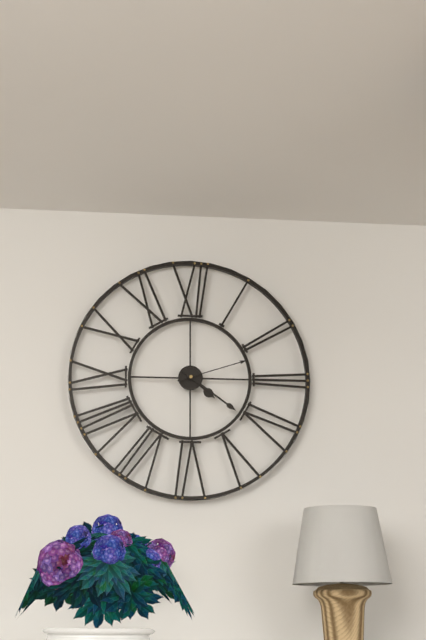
4:21:12
